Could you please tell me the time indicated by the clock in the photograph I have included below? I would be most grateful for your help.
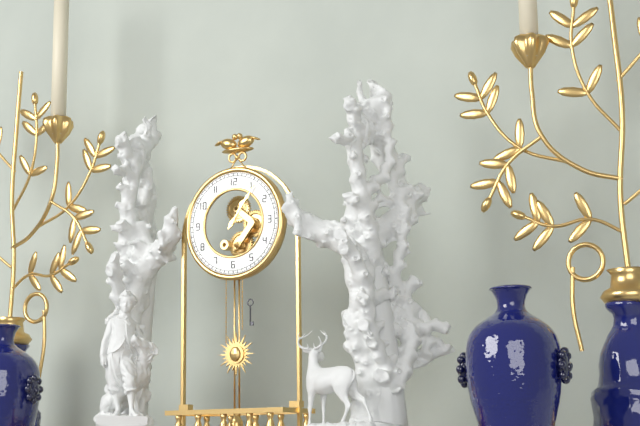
1:06
